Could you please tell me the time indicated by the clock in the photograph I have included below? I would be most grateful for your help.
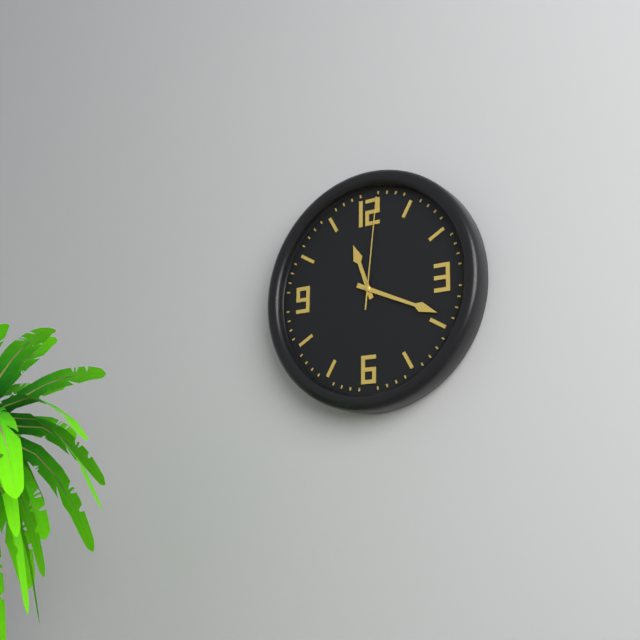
11:19:01
